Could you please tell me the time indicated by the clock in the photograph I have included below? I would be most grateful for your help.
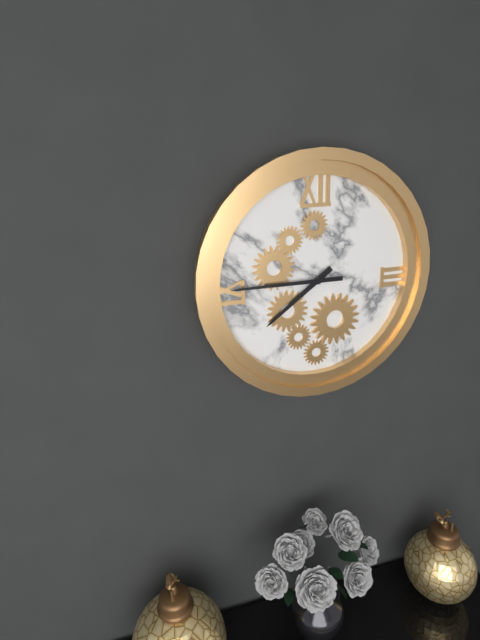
7:45
